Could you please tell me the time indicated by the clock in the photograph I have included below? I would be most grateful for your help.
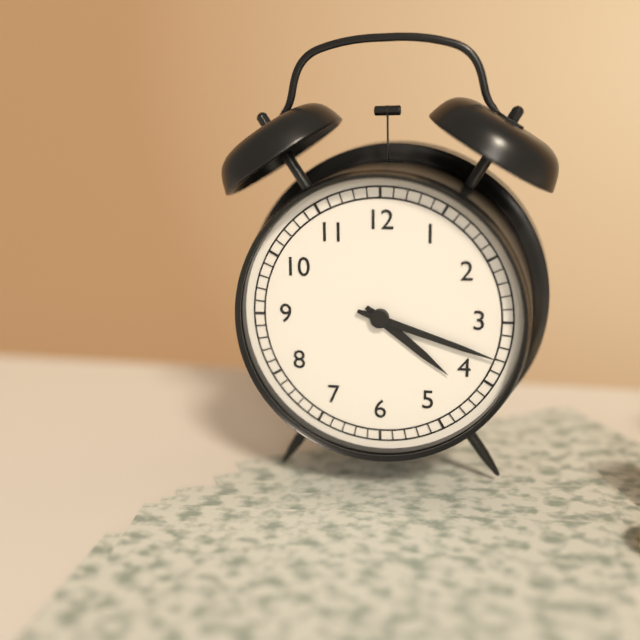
4:18
